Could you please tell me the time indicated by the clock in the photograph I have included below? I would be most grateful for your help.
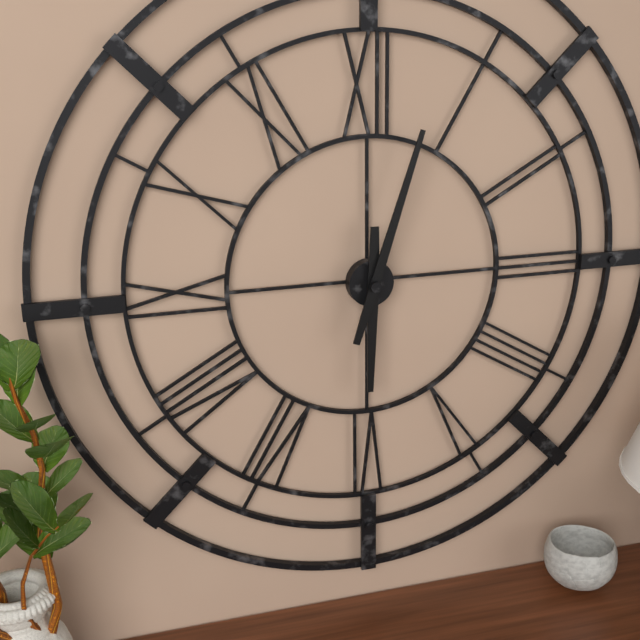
6:03
